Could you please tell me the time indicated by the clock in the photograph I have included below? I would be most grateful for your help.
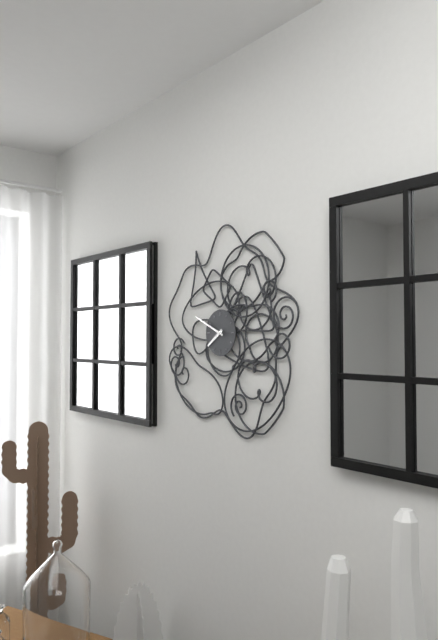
7:49
